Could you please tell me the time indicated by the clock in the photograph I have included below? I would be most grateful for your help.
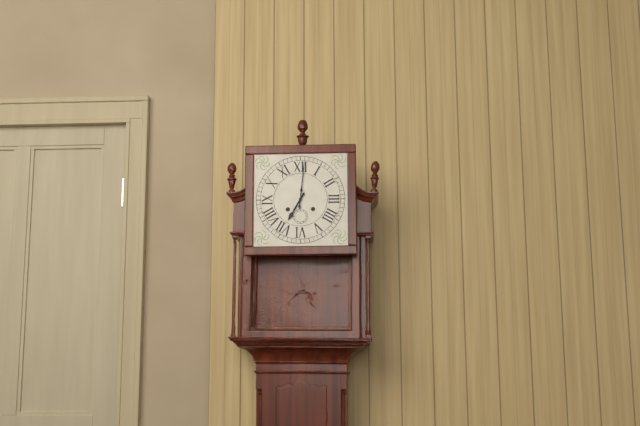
7:01
